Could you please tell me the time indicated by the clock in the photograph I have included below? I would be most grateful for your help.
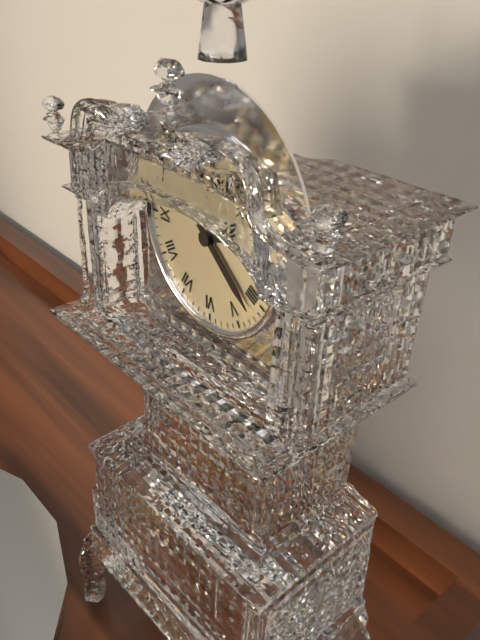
2:22
